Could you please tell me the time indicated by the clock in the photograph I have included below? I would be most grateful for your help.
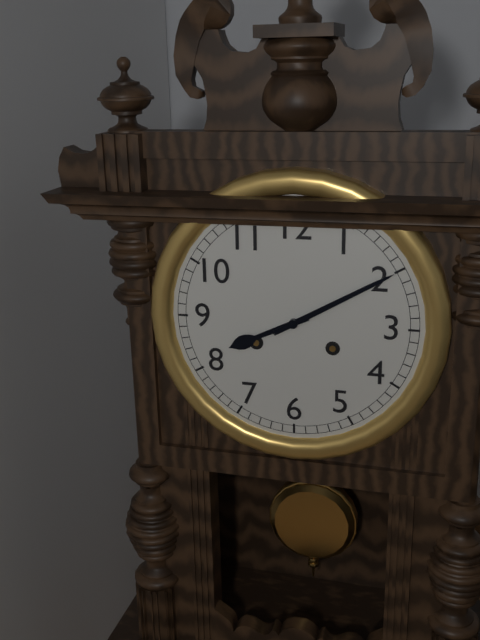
8:10
